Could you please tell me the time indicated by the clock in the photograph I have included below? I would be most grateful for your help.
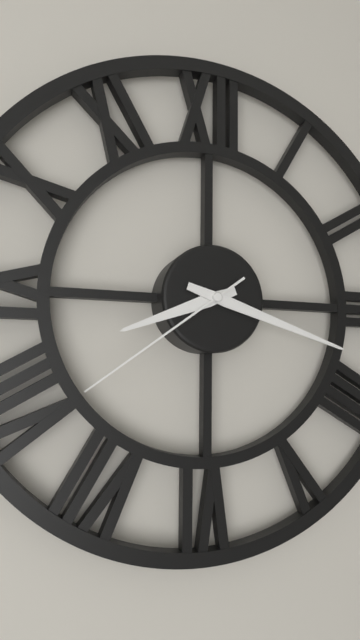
8:18:39
